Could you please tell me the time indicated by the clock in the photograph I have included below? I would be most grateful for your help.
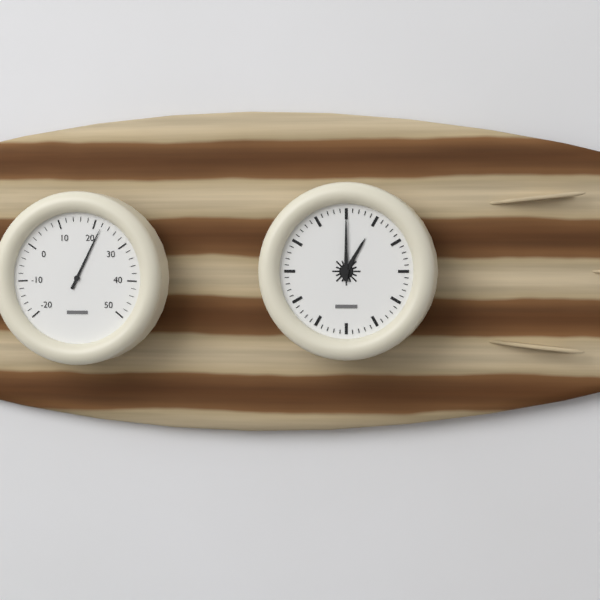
1:00
